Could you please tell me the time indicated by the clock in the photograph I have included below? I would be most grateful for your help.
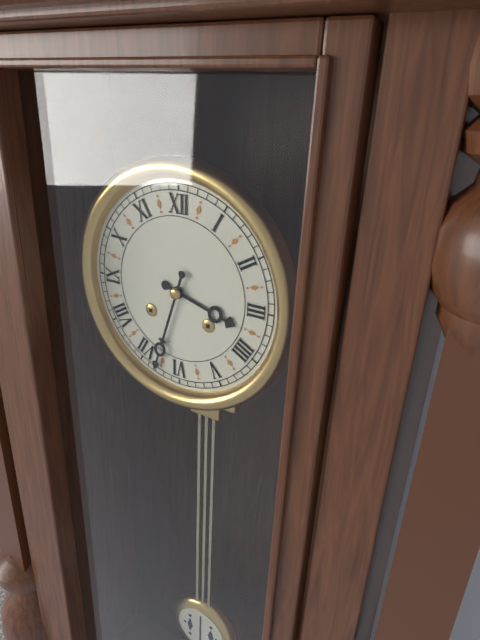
3:33
